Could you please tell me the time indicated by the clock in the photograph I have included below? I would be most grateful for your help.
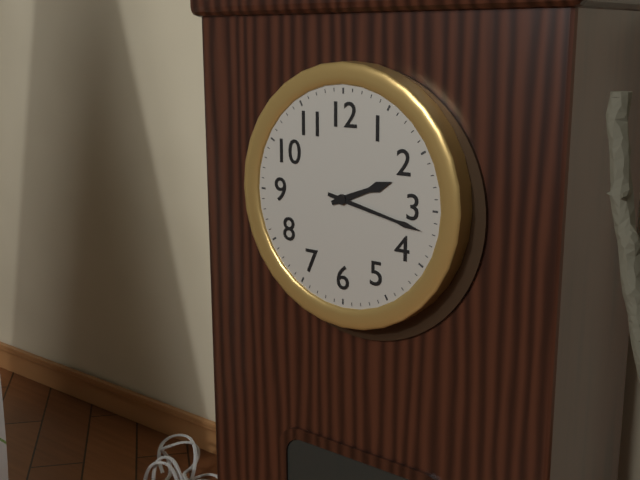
2:17
